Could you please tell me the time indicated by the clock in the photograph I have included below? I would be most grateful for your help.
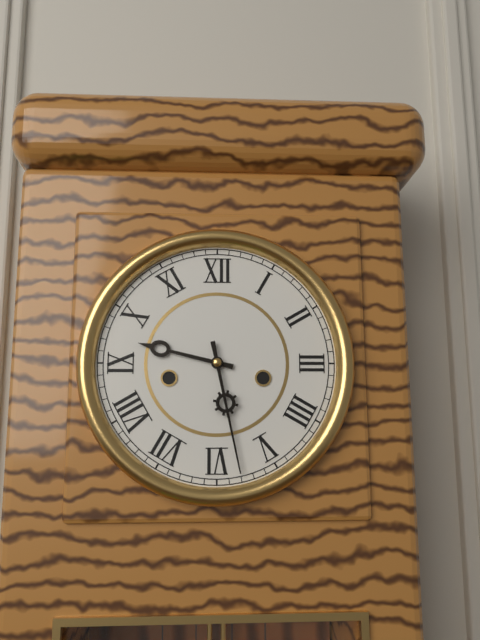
9:28
